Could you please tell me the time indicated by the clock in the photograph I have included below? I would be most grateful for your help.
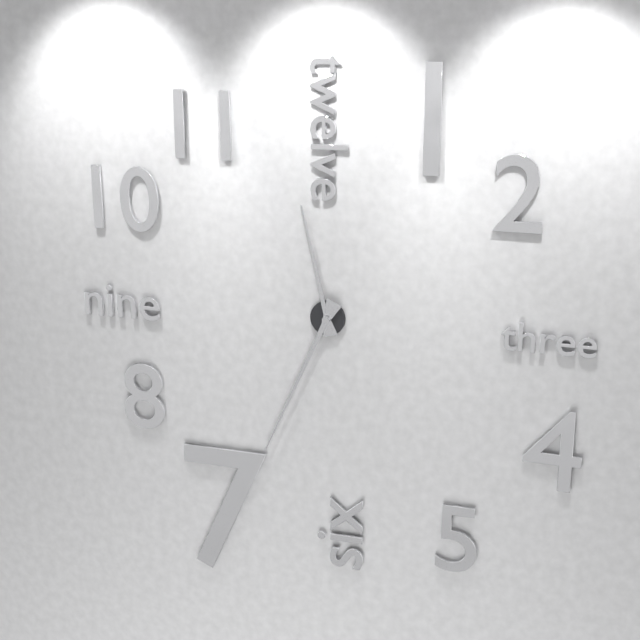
11:34
